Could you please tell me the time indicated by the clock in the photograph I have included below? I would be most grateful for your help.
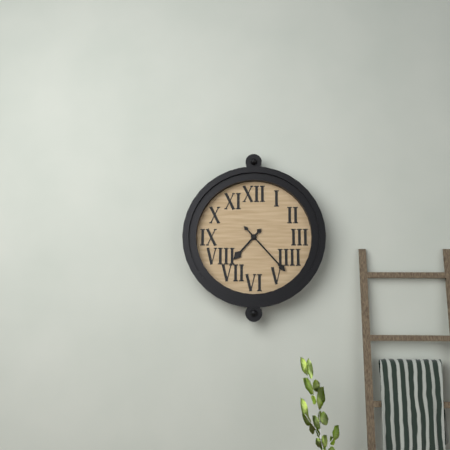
7:23
